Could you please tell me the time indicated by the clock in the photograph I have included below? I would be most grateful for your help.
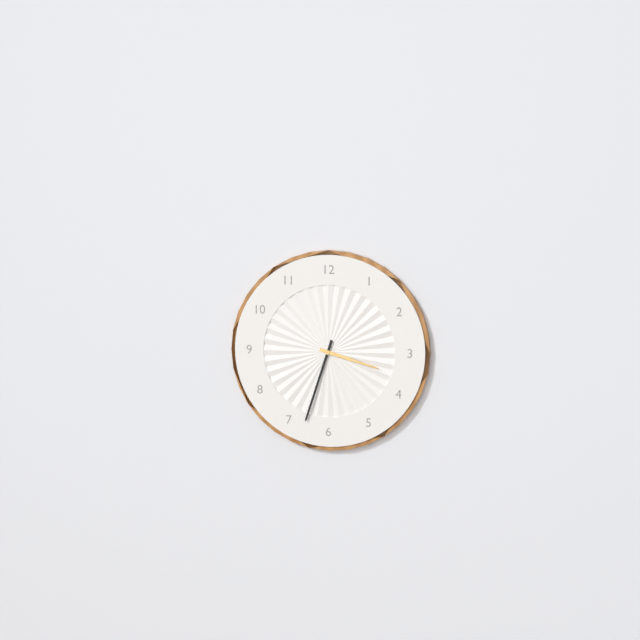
3:33
